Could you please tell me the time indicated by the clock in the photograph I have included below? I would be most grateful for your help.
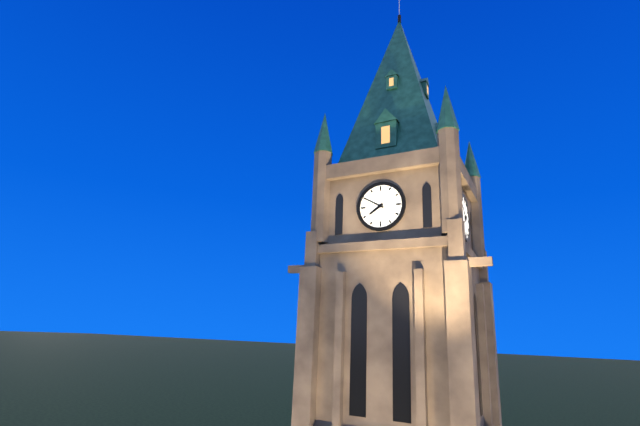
7:50
